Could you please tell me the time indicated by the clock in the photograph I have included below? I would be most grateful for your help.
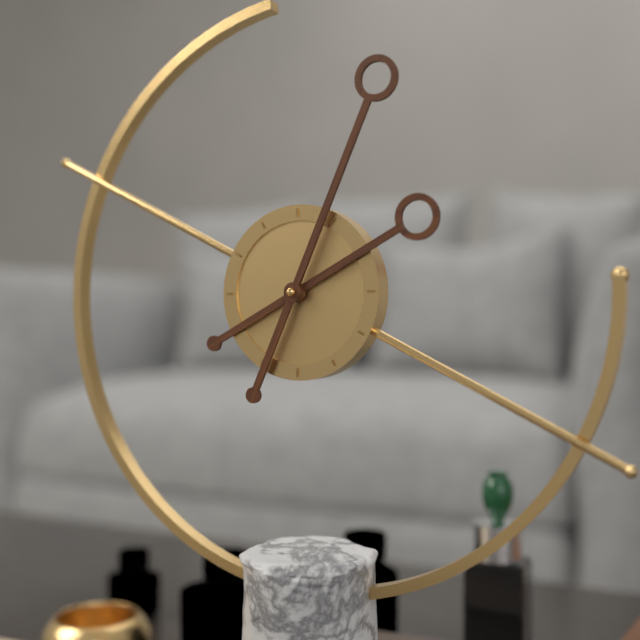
2:04
